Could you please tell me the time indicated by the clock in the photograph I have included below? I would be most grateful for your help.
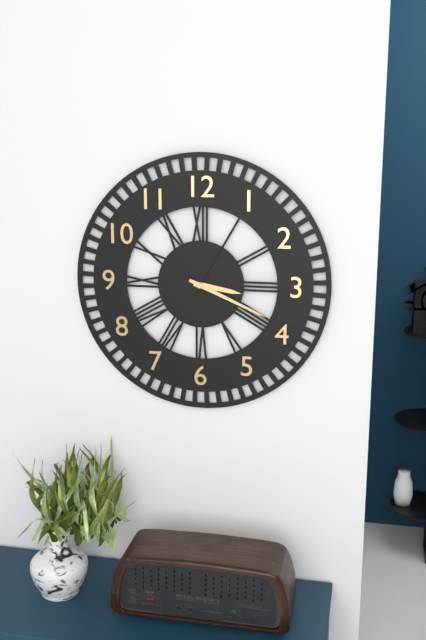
3:19:05
